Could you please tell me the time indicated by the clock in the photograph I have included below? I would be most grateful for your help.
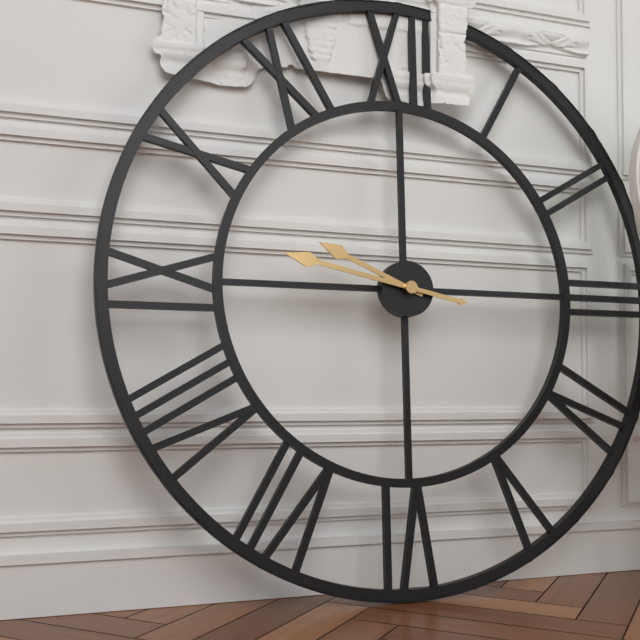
9:47
